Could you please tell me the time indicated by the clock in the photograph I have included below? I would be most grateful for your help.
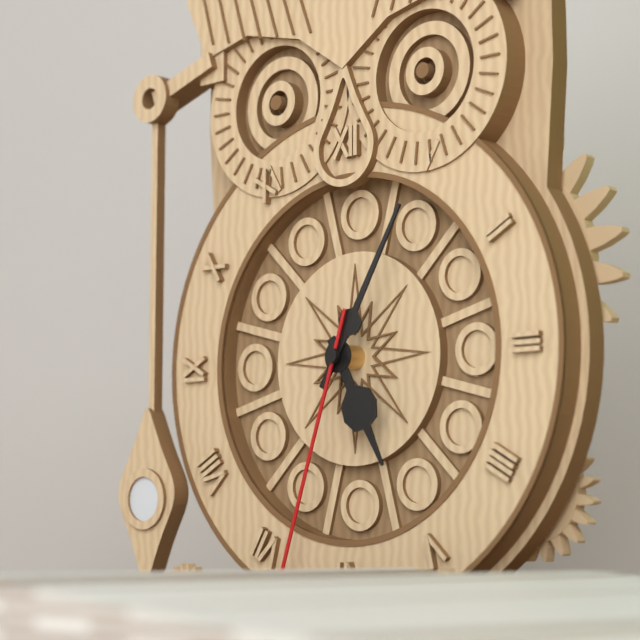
5:05:33
